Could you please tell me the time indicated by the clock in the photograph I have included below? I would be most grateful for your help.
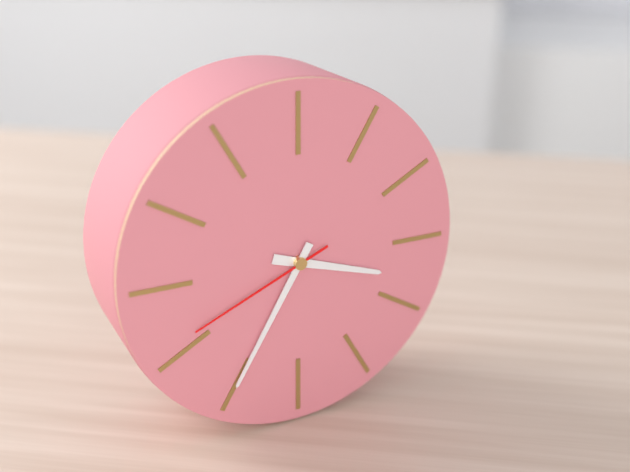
3:35:41
